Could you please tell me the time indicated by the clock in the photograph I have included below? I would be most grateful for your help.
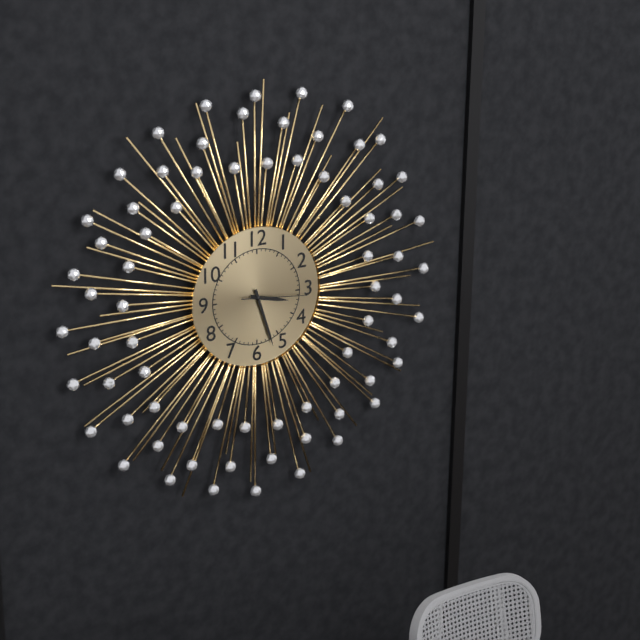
3:27:16
